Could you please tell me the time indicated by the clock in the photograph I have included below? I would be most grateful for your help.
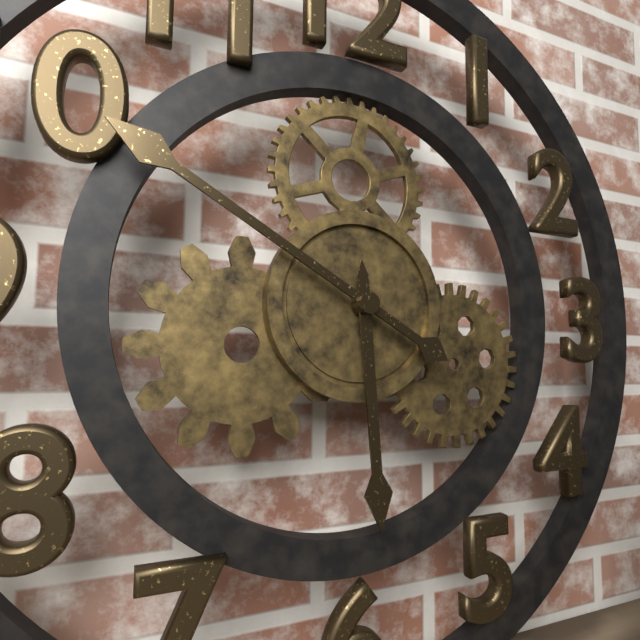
5:50
